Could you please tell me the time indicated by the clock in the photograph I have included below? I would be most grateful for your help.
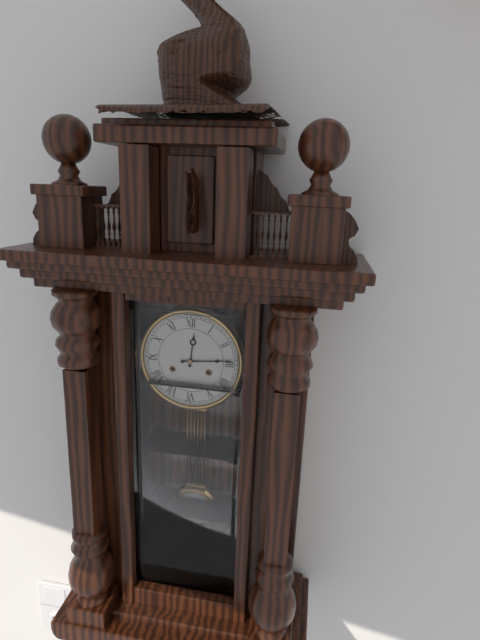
12:14
